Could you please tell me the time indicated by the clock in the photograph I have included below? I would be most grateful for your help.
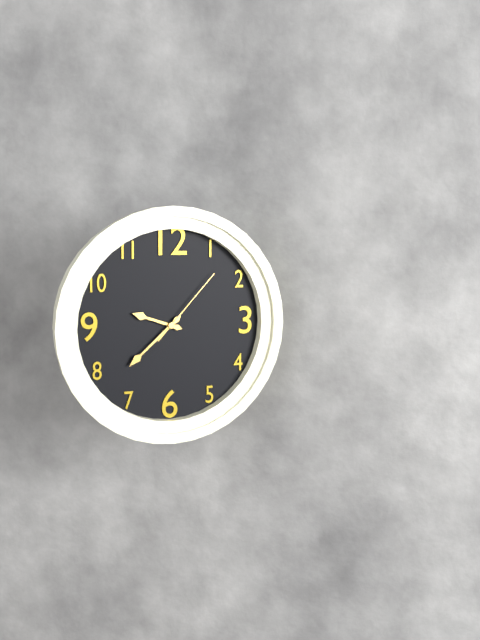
9:38:07
